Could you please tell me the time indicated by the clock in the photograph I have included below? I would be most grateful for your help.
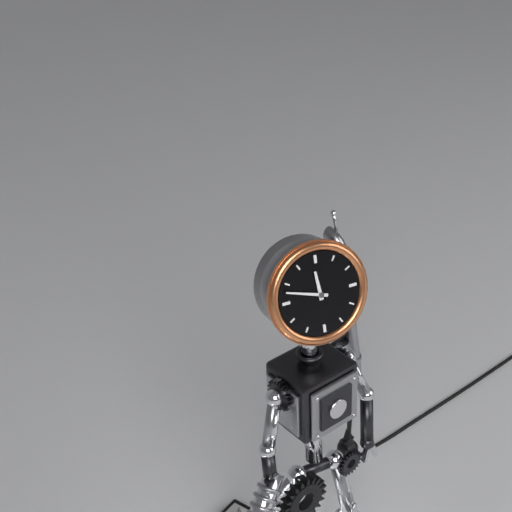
11:48
